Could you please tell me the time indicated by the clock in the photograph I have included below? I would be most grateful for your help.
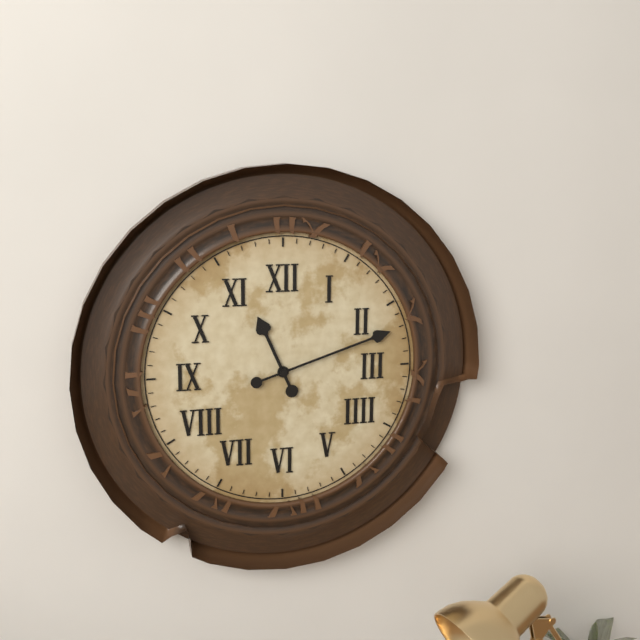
11:12
